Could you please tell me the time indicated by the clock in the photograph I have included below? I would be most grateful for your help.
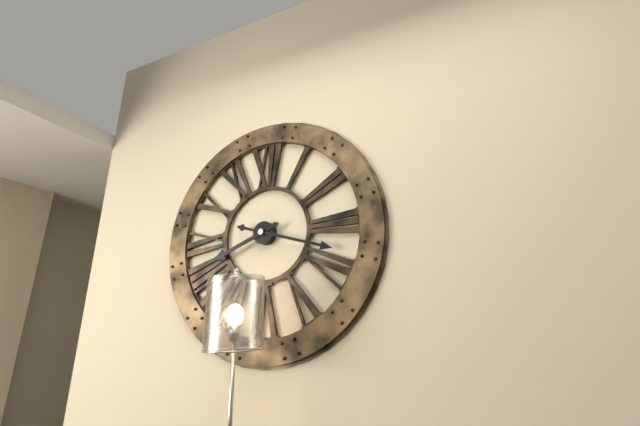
8:18
